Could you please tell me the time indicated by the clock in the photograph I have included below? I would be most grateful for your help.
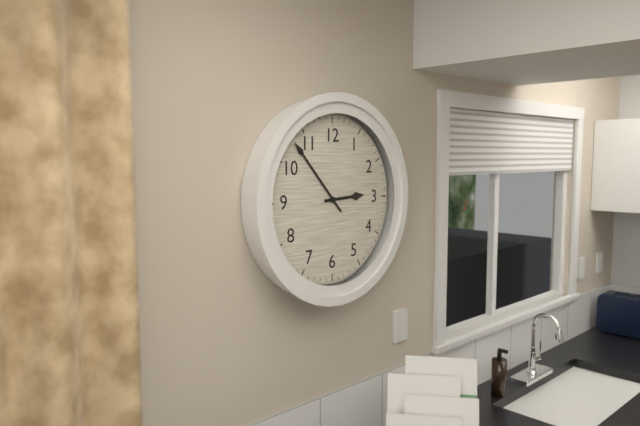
2:53
